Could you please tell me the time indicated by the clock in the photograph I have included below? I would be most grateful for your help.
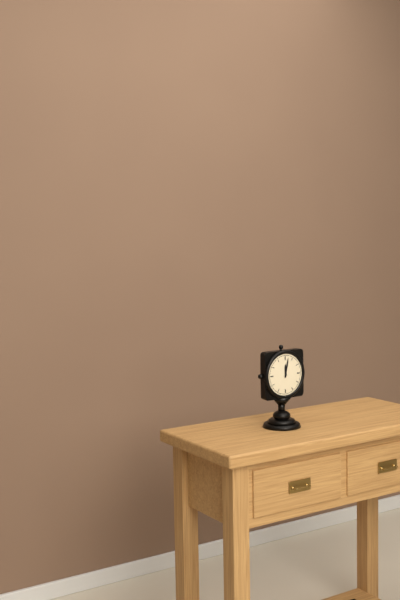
12:02
